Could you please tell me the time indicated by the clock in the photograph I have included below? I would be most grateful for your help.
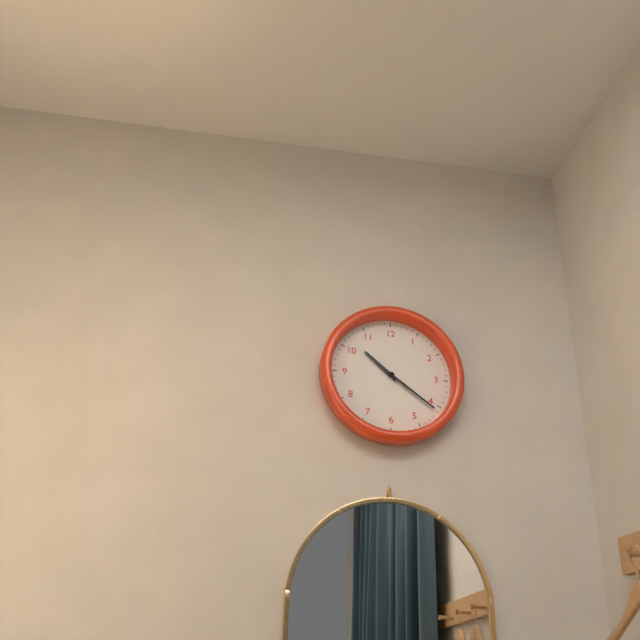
10:21
